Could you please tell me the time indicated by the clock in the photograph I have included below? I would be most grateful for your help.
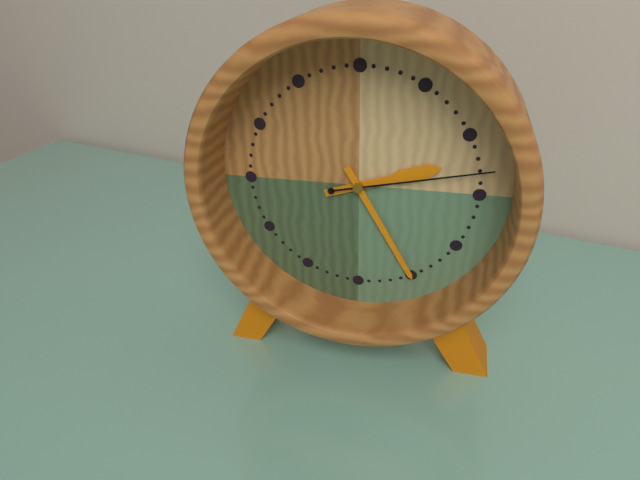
2:25:13
